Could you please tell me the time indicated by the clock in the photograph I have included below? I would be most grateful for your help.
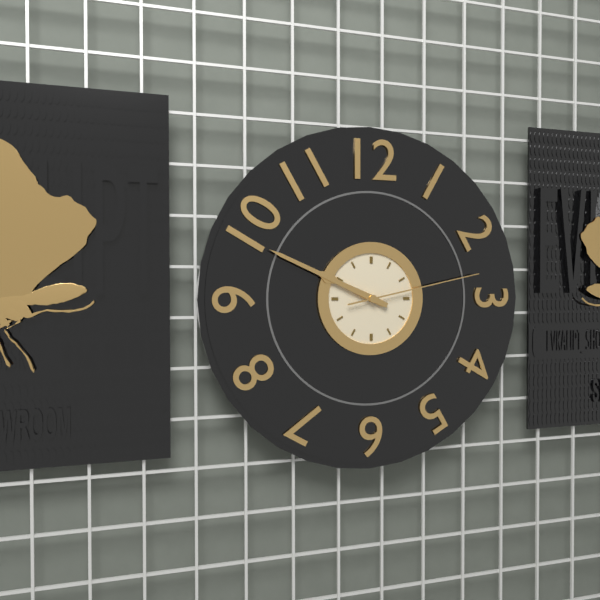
9:49:13
